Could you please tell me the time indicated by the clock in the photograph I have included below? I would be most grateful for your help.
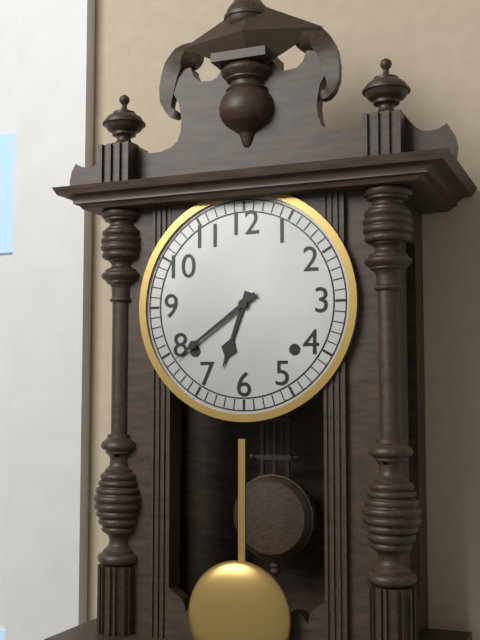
6:39
